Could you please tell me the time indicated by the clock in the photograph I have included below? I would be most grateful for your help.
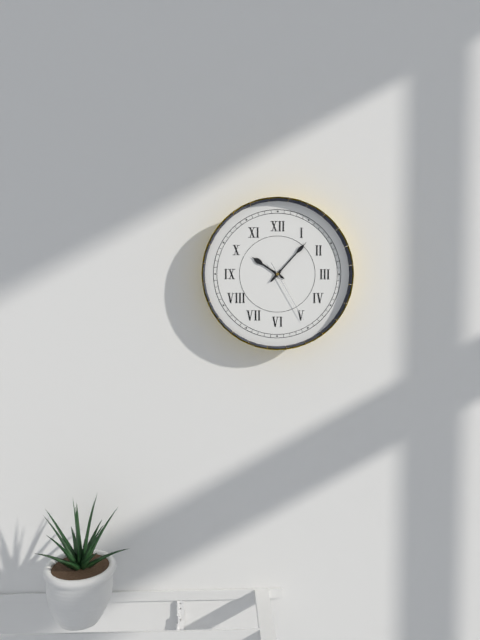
10:07:25
